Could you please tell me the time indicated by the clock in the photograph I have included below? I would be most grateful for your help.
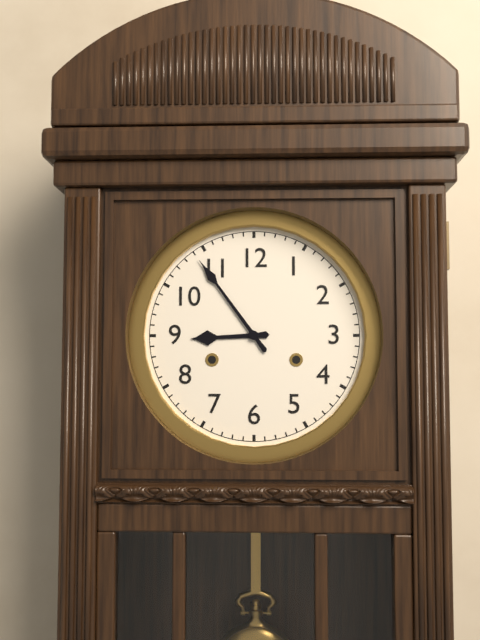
8:54
